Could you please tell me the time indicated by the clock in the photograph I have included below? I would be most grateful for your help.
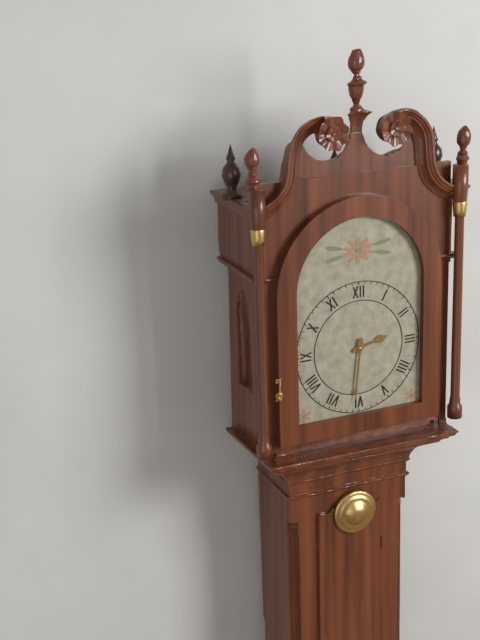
2:31
